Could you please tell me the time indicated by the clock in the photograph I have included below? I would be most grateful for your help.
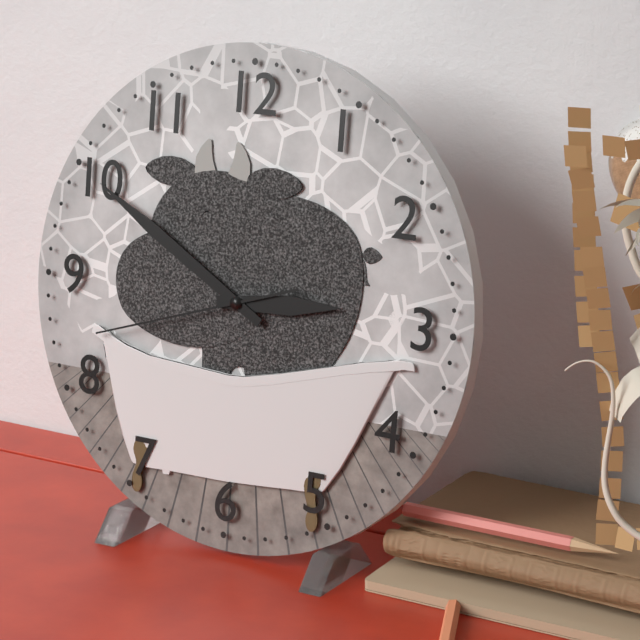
2:50:42
